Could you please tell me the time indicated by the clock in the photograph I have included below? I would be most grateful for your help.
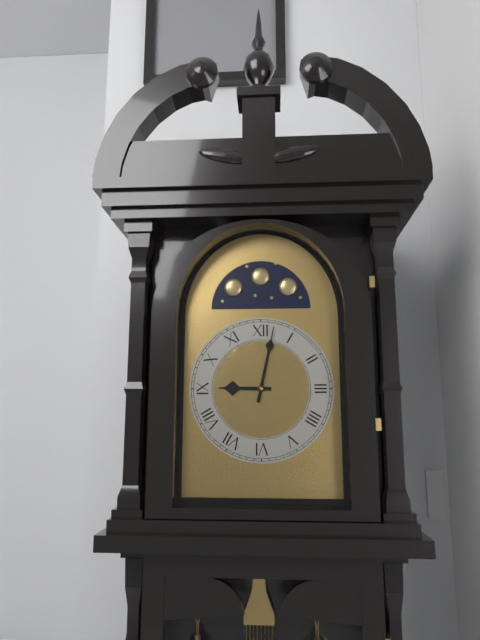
9:02
